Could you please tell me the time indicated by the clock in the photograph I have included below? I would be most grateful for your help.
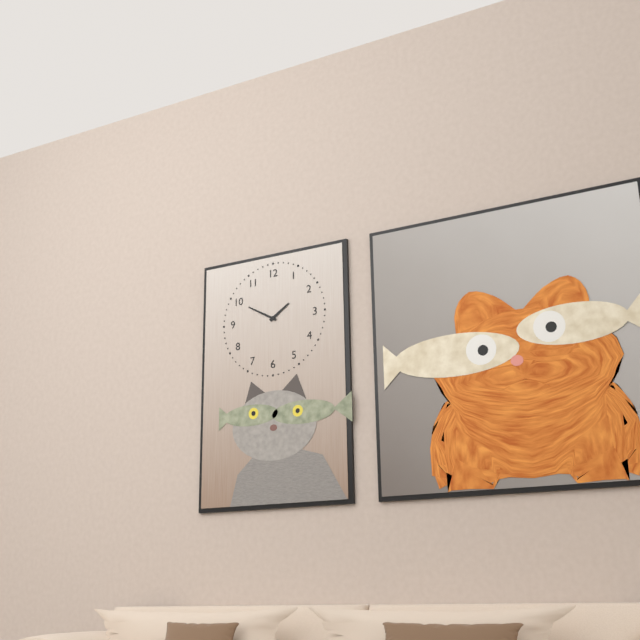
1:50
